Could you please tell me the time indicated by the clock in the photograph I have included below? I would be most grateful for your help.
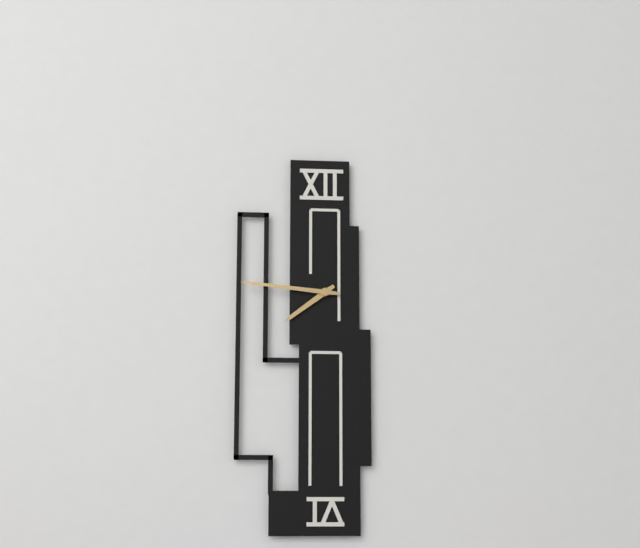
7:46
